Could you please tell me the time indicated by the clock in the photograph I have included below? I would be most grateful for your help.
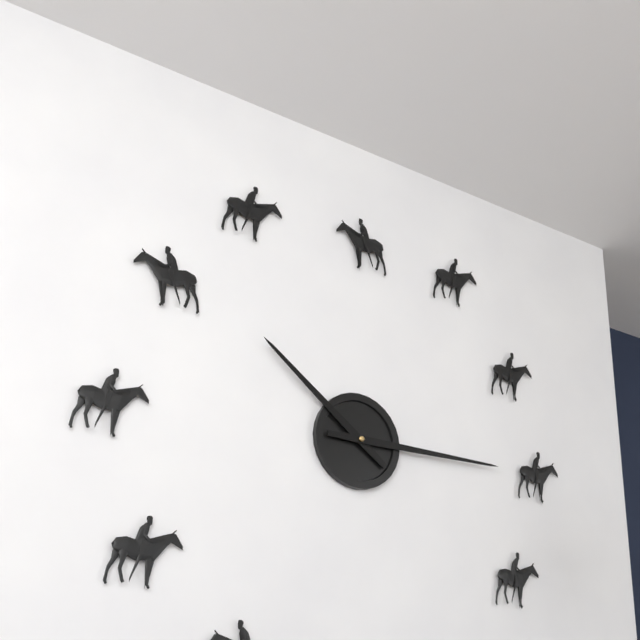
10:15
